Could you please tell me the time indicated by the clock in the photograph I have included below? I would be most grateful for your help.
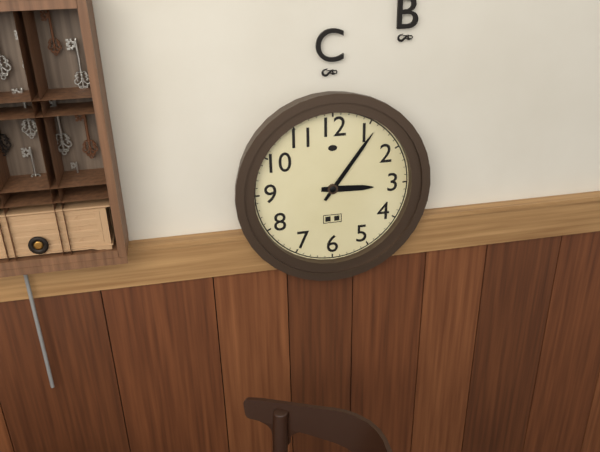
3:06
